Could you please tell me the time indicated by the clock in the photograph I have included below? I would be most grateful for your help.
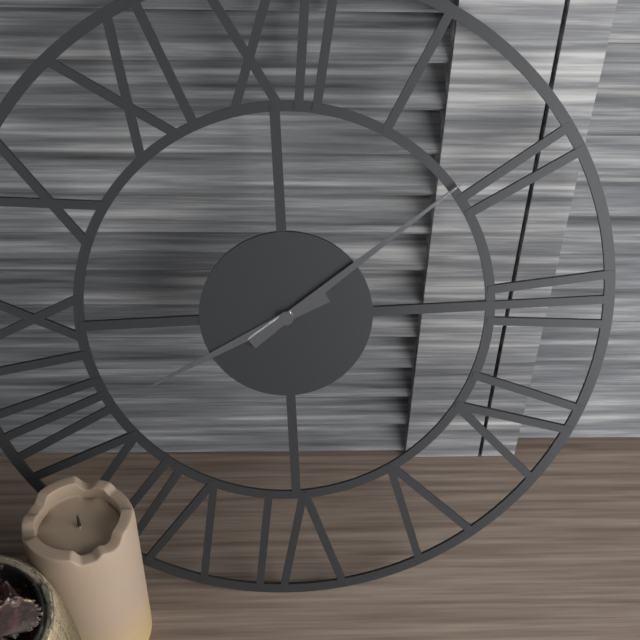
8:09
